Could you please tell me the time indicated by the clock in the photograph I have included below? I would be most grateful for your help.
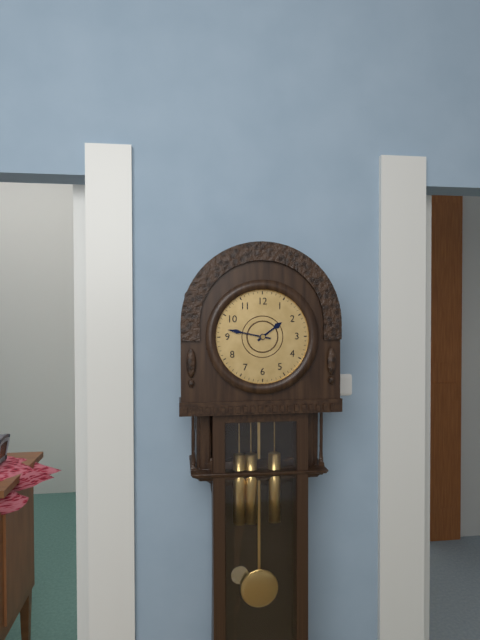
1:47
